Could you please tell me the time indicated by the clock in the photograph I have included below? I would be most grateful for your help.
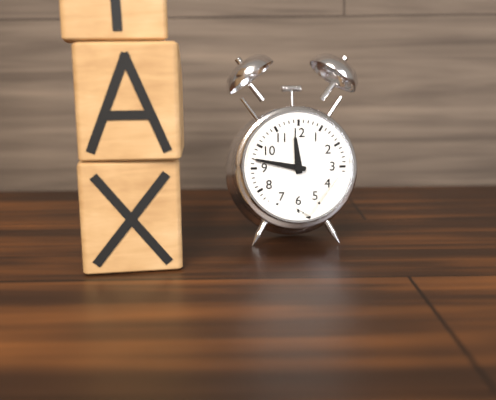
11:47
